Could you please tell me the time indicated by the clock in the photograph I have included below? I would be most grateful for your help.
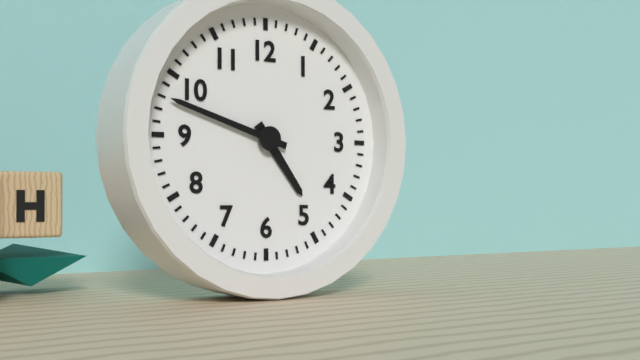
4:48
